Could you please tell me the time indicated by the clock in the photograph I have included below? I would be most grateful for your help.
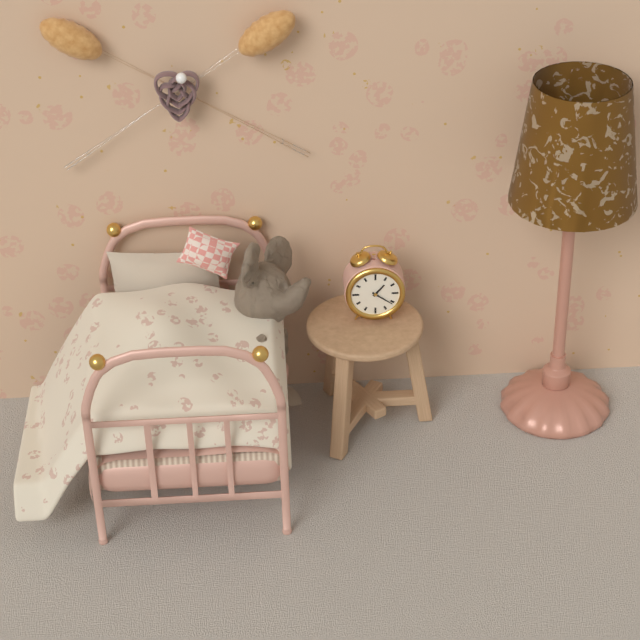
1:21
